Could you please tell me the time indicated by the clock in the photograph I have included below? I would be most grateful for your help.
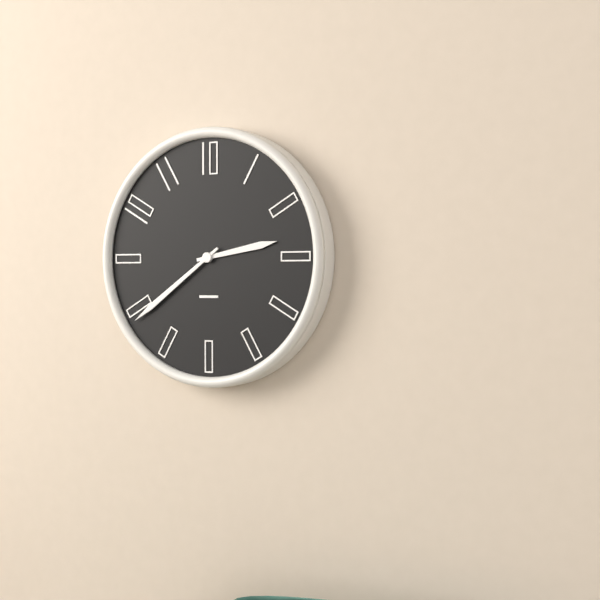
2:39
